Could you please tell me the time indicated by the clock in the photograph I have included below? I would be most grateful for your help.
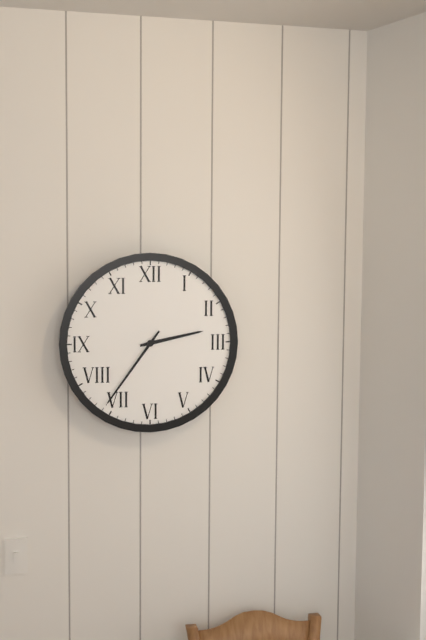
2:36
